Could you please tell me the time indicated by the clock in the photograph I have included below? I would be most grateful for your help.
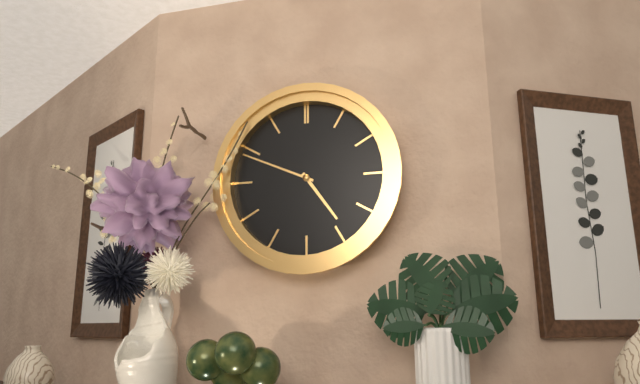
4:49
